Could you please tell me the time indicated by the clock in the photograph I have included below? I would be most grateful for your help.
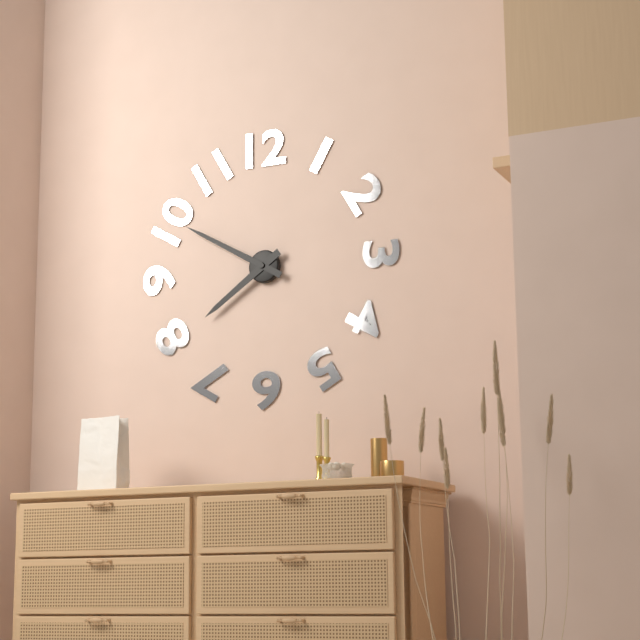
7:50
